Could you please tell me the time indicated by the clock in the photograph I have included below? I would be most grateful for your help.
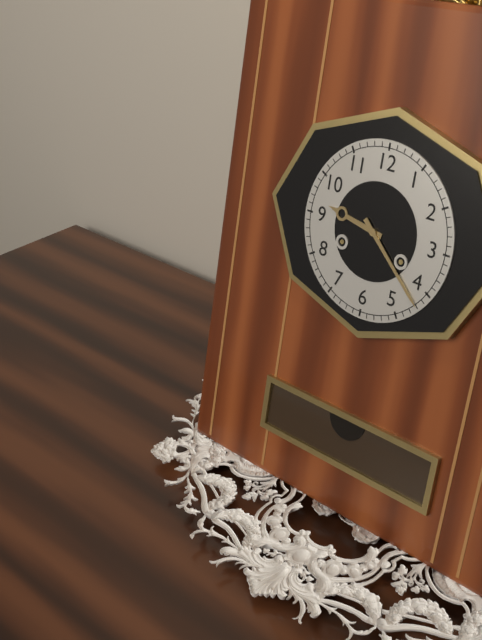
9:22
